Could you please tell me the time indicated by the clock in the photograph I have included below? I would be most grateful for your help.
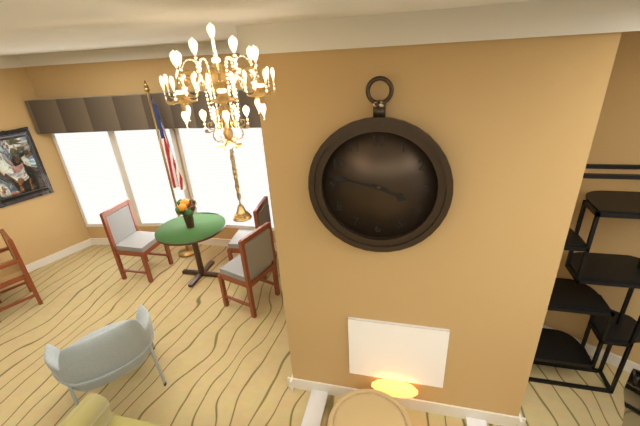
3:47
